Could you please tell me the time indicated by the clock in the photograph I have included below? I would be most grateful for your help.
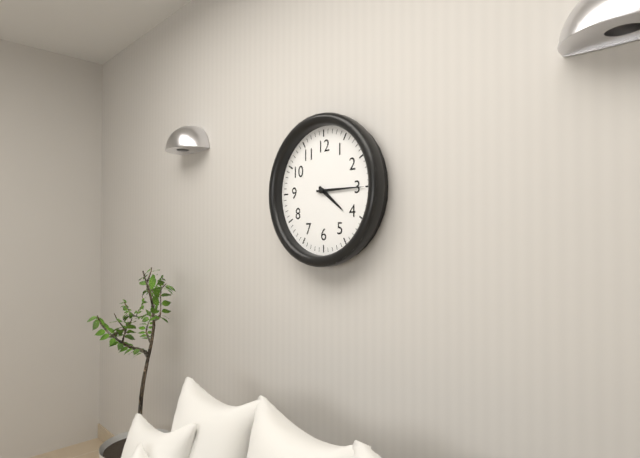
4:15
